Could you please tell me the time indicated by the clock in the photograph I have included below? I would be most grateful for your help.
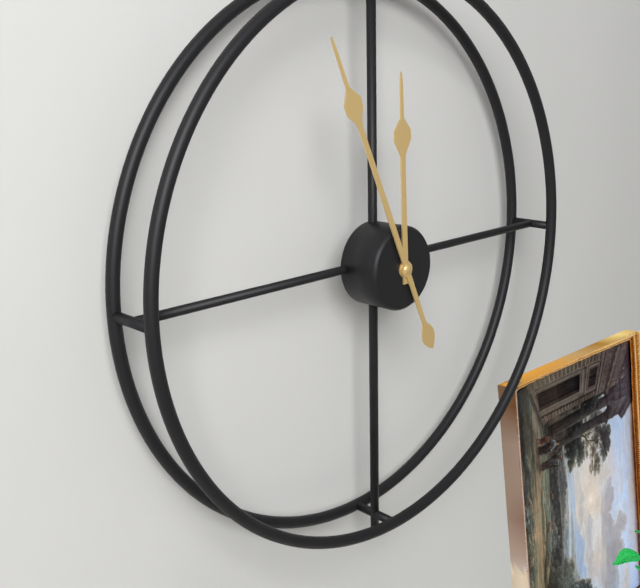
11:56
